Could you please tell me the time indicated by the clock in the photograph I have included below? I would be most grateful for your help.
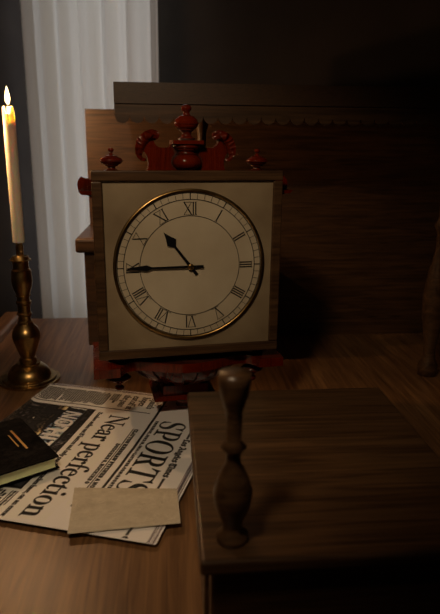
10:45
